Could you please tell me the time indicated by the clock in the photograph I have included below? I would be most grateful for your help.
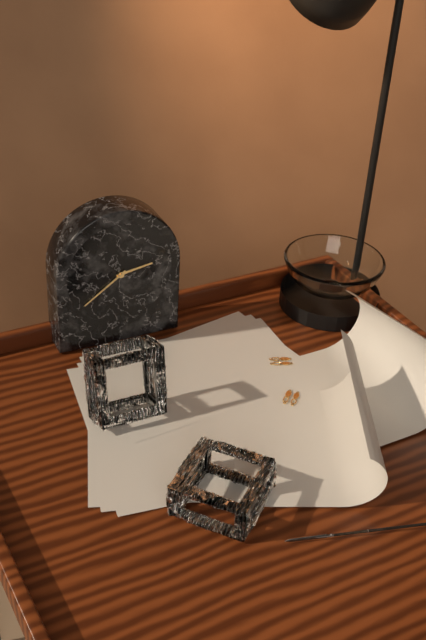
2:39
